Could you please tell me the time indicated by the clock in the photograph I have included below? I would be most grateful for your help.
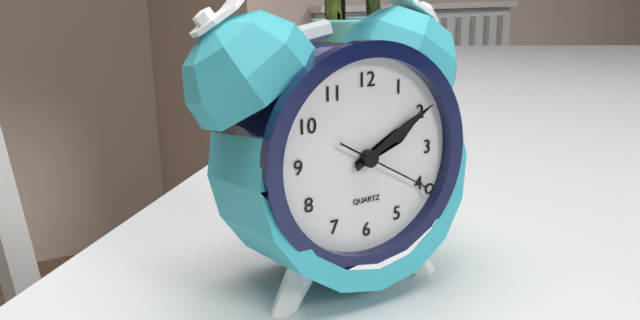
2:10:20
